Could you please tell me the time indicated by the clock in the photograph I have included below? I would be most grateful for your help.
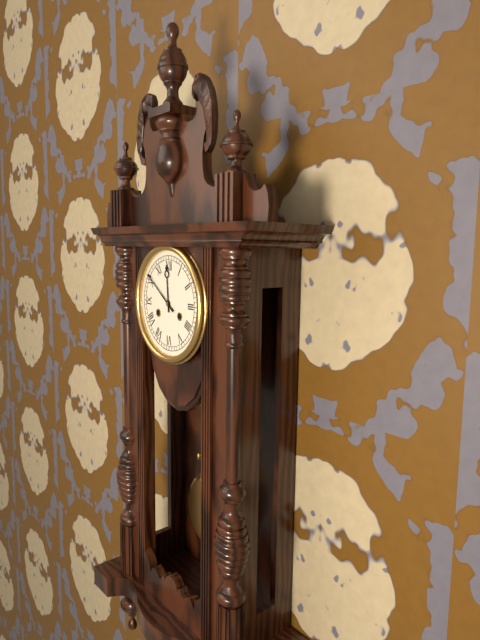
11:51
